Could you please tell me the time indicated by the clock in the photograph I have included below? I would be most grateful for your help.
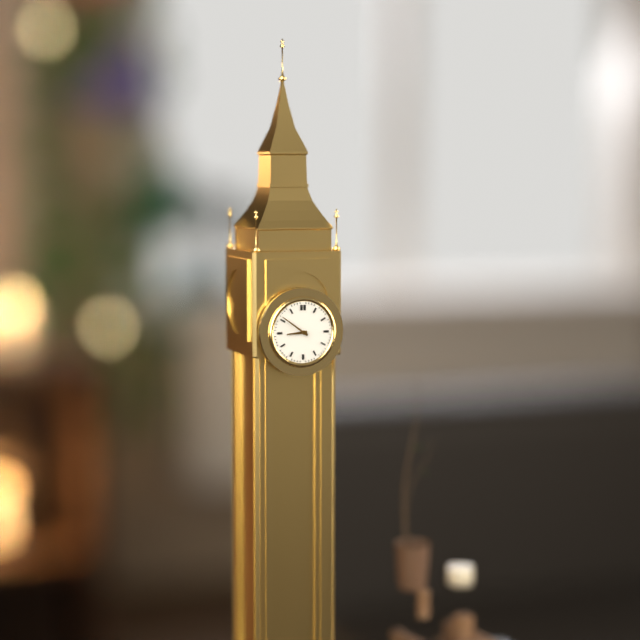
8:51
